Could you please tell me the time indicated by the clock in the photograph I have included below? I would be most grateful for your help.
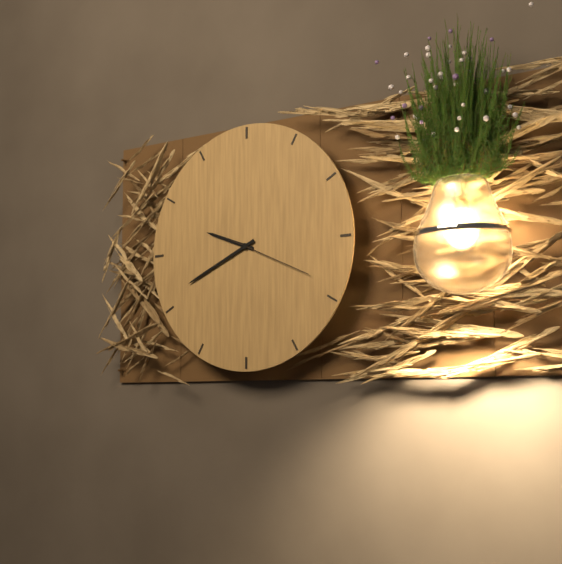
9:41:19
